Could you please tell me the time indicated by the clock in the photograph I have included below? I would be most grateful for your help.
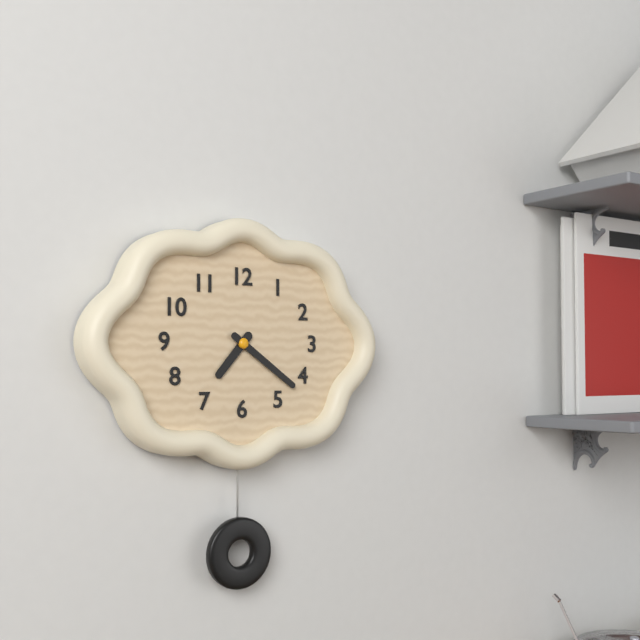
7:21
